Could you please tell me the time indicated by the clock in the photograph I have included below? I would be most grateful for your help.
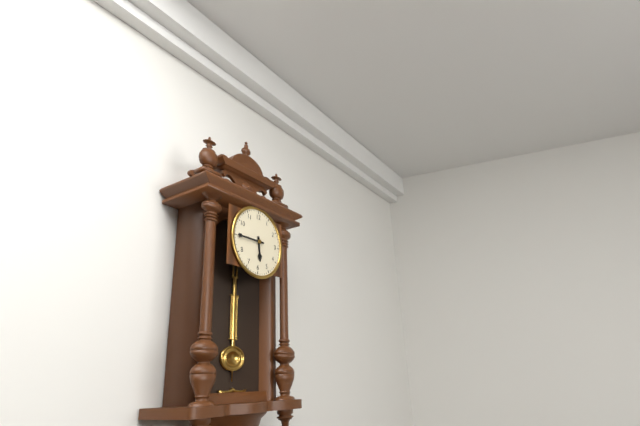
5:45
